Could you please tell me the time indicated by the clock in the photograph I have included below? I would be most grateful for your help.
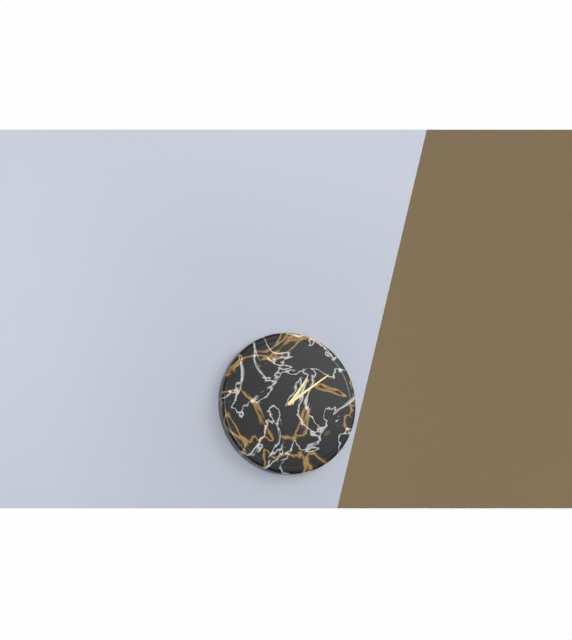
1:09
